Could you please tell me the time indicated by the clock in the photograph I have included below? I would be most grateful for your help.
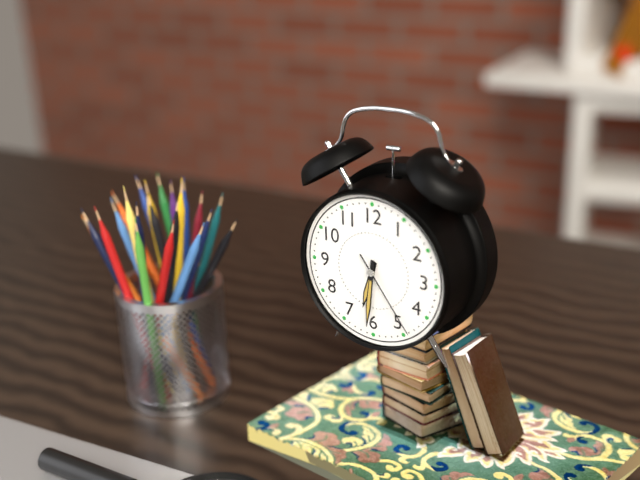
6:31:24
